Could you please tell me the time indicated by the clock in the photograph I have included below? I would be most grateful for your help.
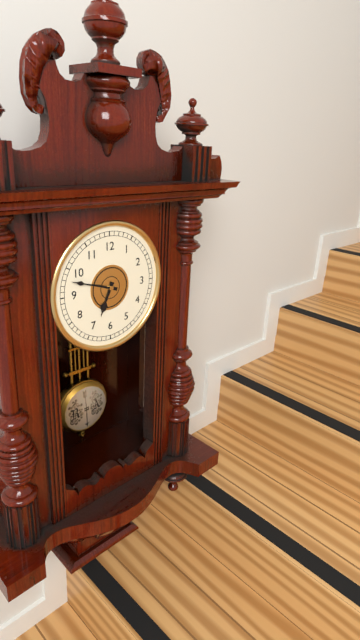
6:48
